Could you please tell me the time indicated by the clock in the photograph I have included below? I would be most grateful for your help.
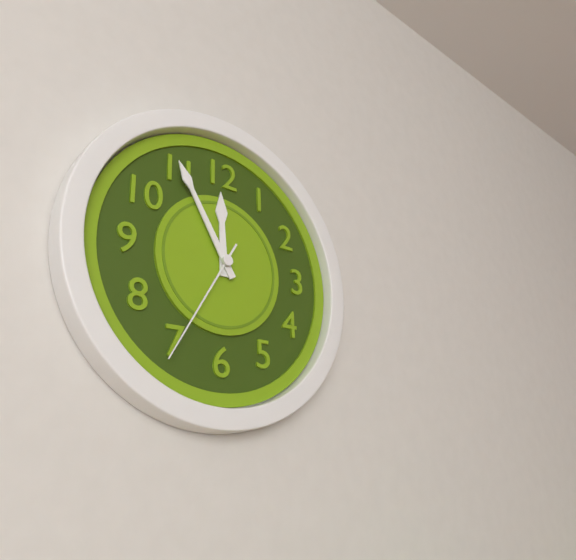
11:55:35
